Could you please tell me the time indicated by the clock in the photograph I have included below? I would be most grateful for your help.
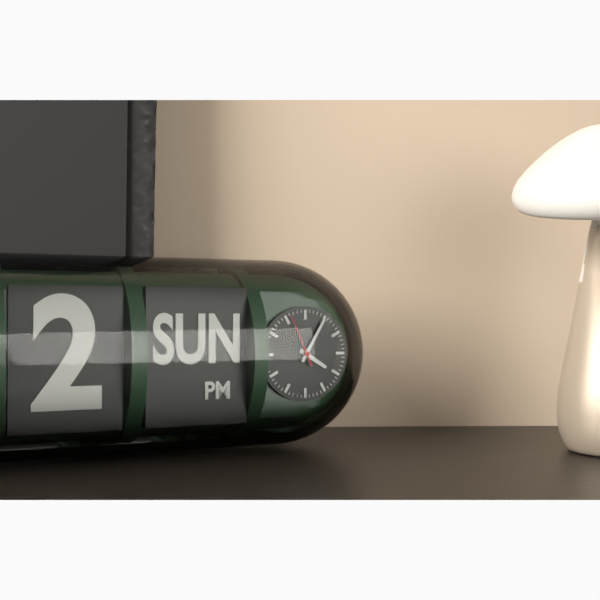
4:05:56
